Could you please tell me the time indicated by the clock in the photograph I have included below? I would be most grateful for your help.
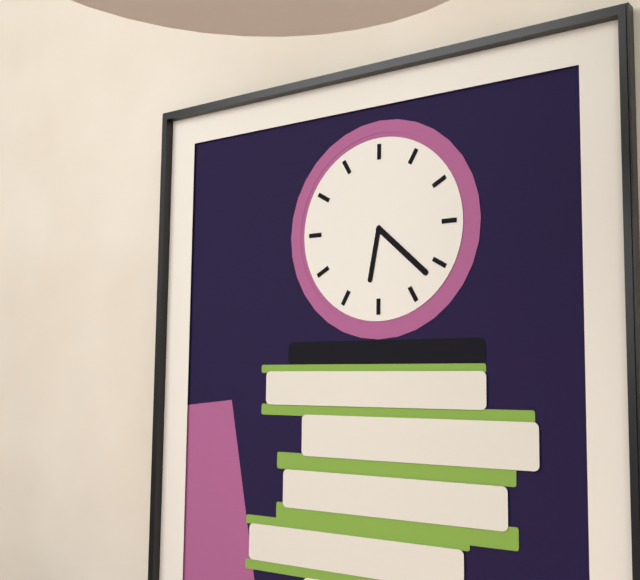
6:22
